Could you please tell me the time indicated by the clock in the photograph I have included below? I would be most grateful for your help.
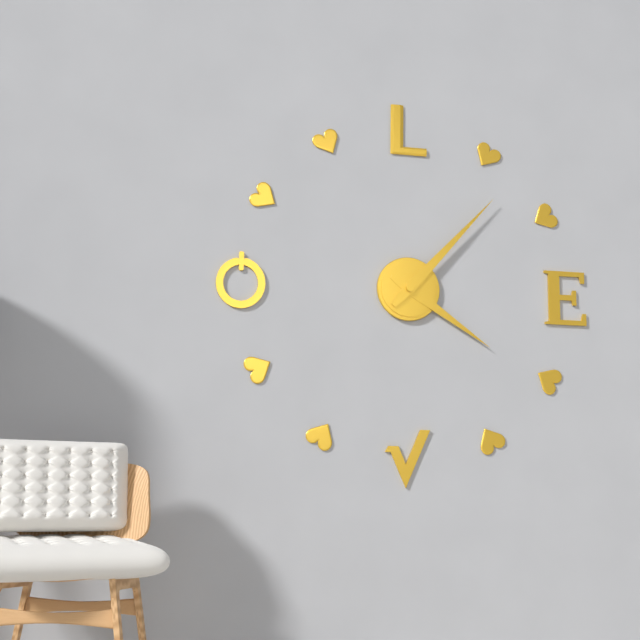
4:07
